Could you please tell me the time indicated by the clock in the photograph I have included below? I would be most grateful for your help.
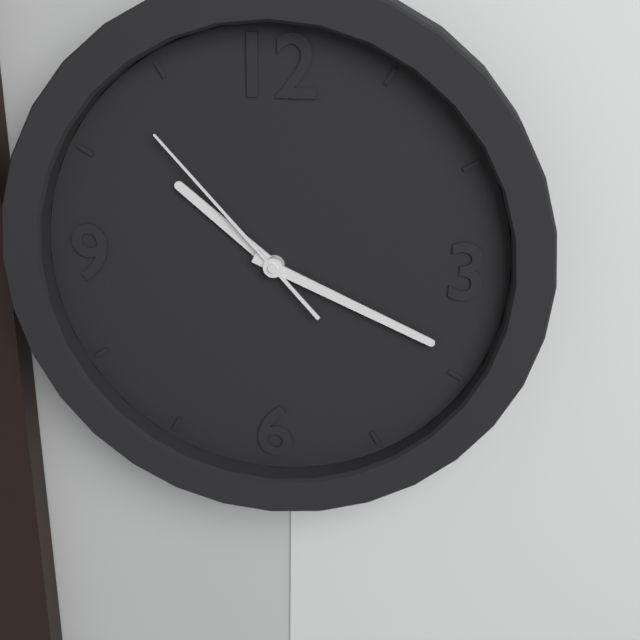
10:19:53
